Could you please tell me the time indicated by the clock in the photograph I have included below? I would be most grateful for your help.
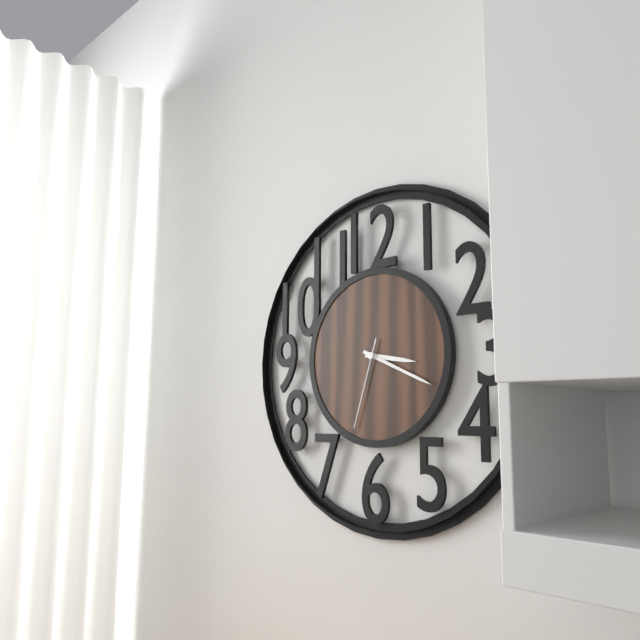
3:19:33
